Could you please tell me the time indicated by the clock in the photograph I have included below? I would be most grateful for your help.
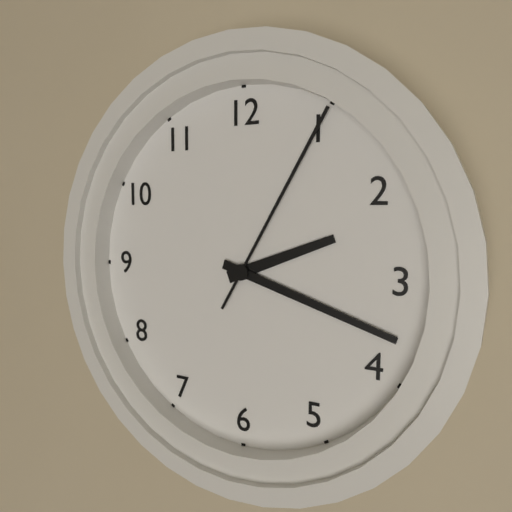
2:18:05
